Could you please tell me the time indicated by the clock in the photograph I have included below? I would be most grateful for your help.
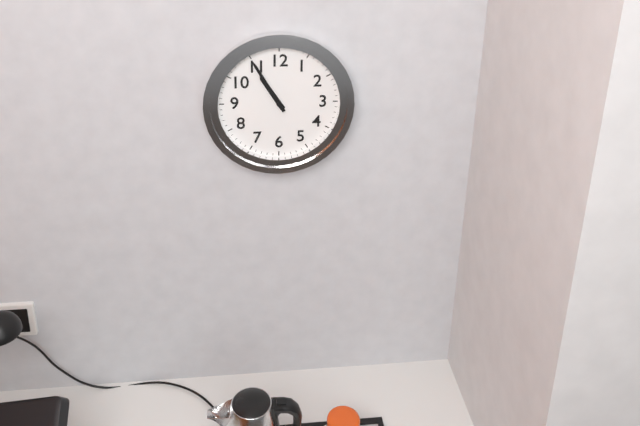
10:55
